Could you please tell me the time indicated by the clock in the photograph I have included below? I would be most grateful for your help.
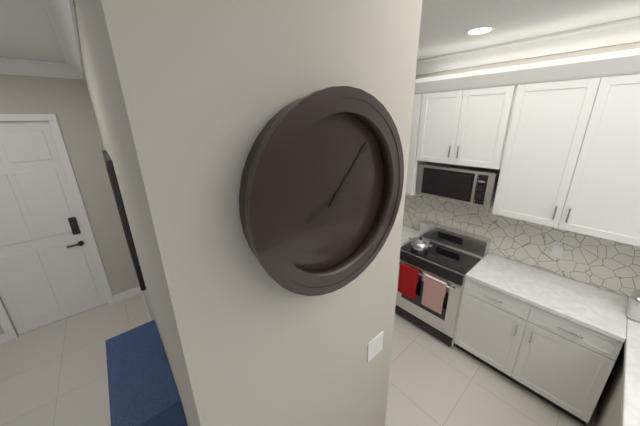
8:07
